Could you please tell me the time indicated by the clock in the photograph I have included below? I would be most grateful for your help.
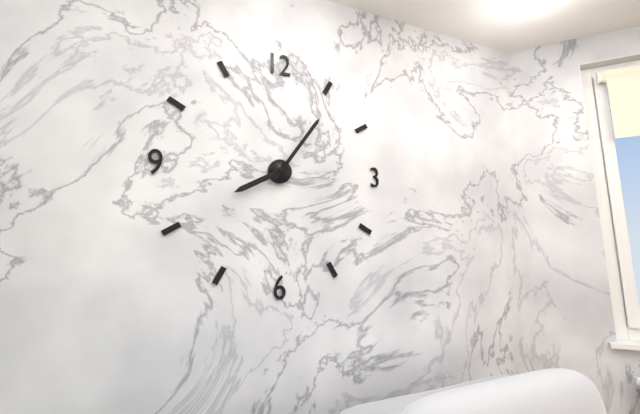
8:06
